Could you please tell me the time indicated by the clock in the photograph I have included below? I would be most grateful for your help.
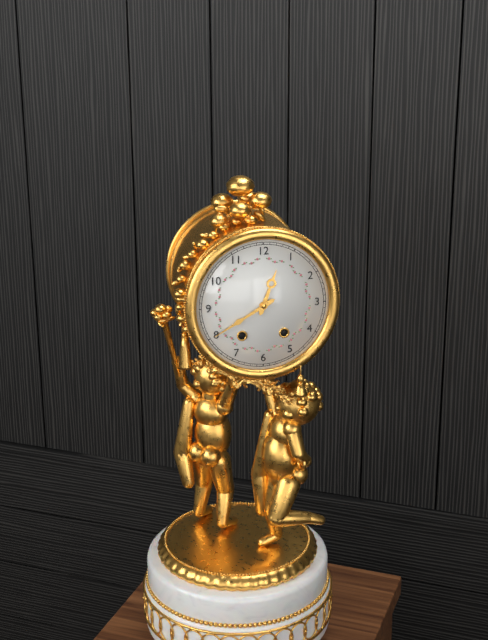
12:40
